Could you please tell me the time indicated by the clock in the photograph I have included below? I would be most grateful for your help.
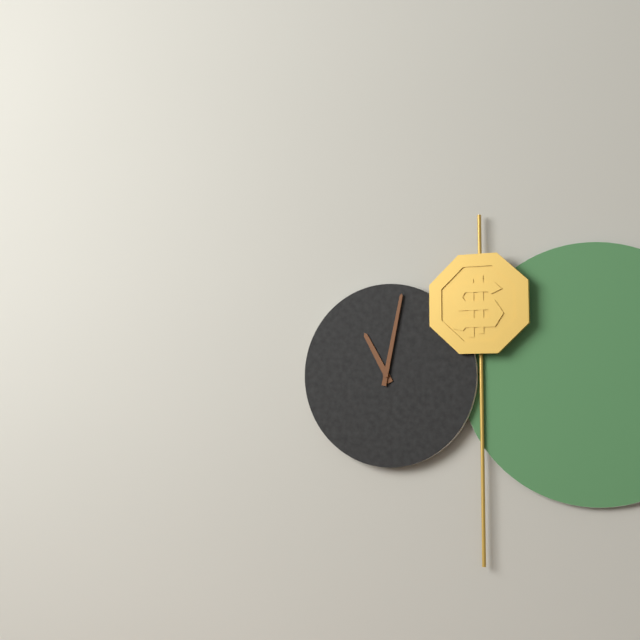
11:02
